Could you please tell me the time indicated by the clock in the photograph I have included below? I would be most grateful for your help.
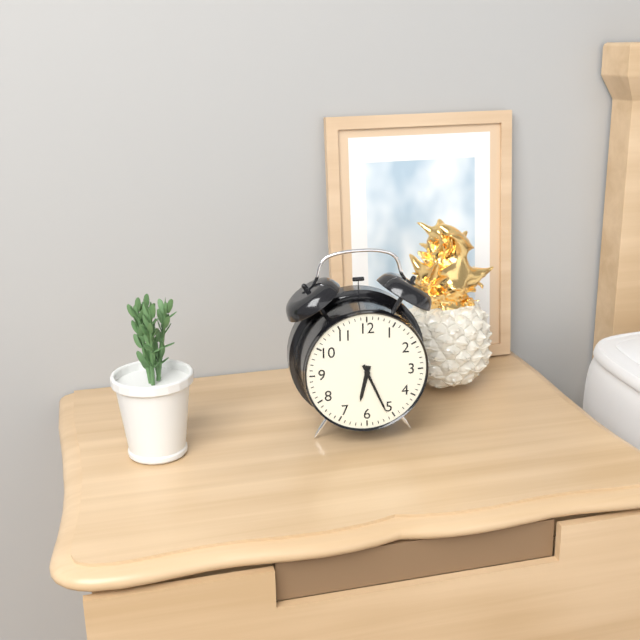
6:26
